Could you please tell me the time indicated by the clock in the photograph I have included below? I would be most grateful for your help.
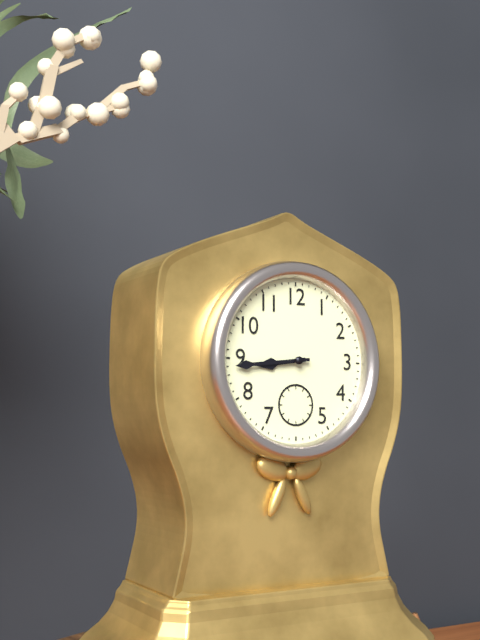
8:44
